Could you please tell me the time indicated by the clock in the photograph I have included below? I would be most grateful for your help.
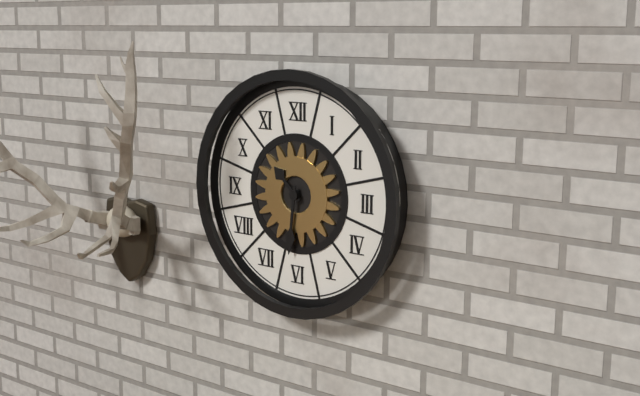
10:31
